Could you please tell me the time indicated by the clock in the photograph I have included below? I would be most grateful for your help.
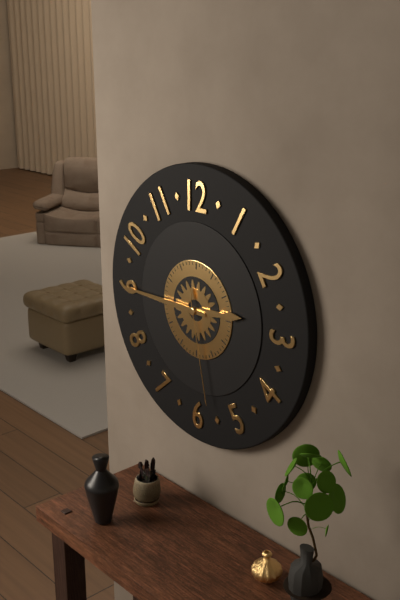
2:45:28
